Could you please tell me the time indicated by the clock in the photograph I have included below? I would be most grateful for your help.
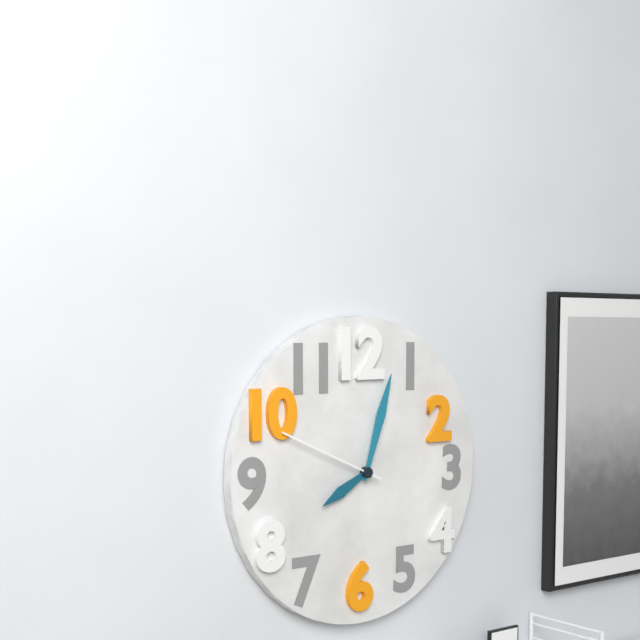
8:03:49
